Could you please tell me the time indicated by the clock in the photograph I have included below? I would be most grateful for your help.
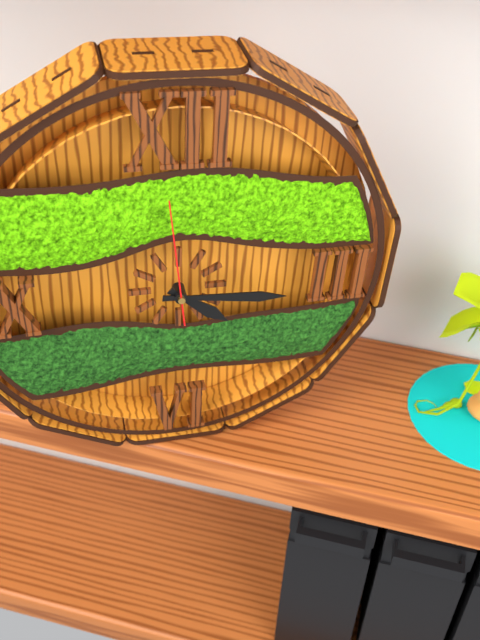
4:16:59
